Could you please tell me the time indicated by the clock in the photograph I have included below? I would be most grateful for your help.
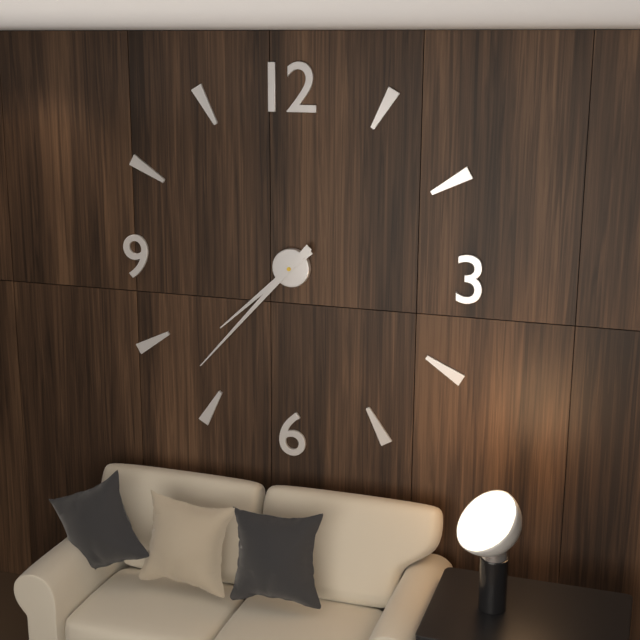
7:37
